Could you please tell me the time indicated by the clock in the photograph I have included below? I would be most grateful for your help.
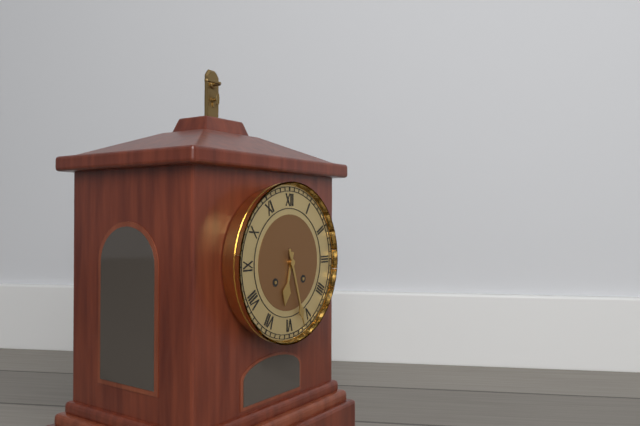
6:27
